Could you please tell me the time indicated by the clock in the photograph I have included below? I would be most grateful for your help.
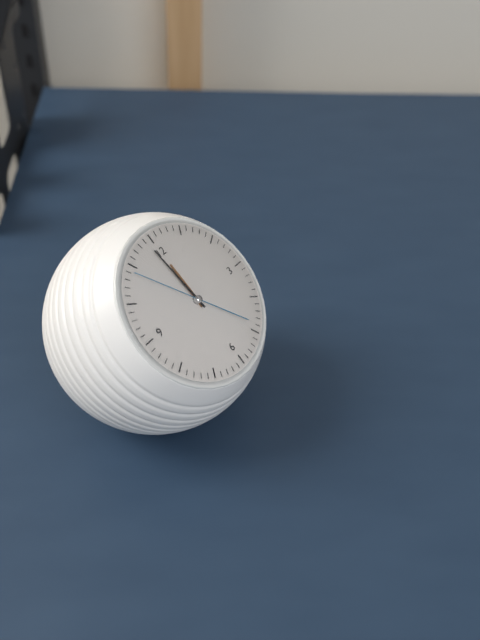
11:59:54
